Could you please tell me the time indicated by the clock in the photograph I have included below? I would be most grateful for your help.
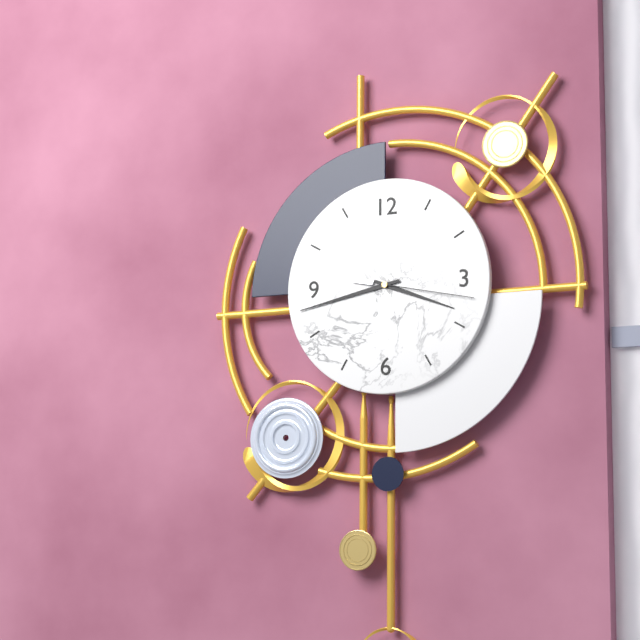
3:43:17
